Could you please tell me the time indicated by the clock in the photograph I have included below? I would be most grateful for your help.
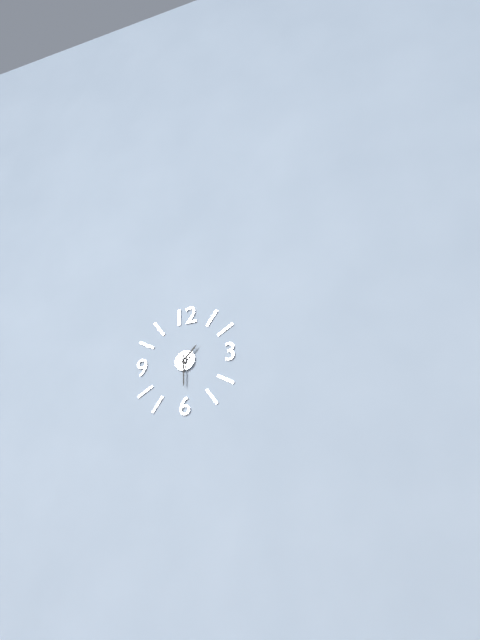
1:30
